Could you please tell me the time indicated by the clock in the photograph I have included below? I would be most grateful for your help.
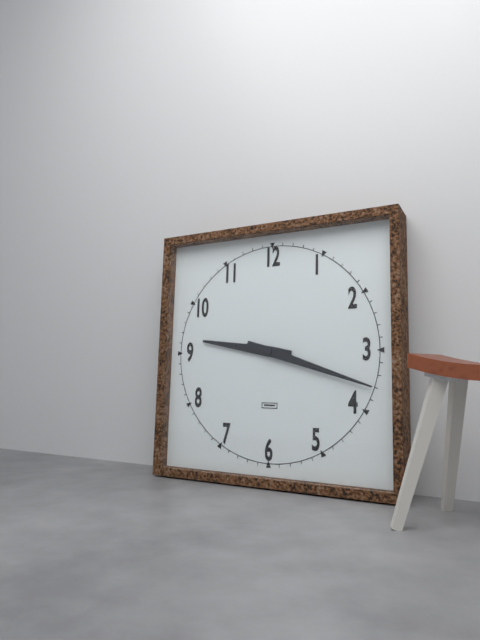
9:18
